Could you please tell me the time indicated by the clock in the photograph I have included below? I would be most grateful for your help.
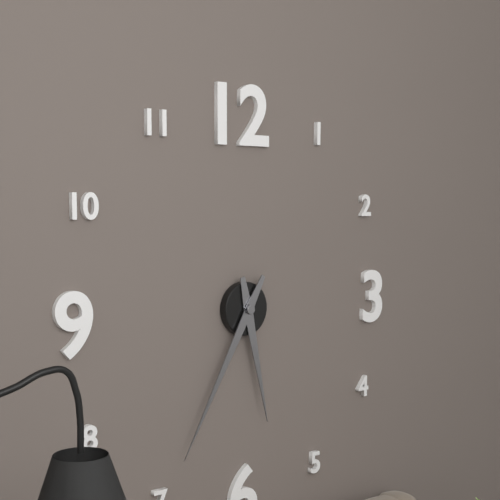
5:35
